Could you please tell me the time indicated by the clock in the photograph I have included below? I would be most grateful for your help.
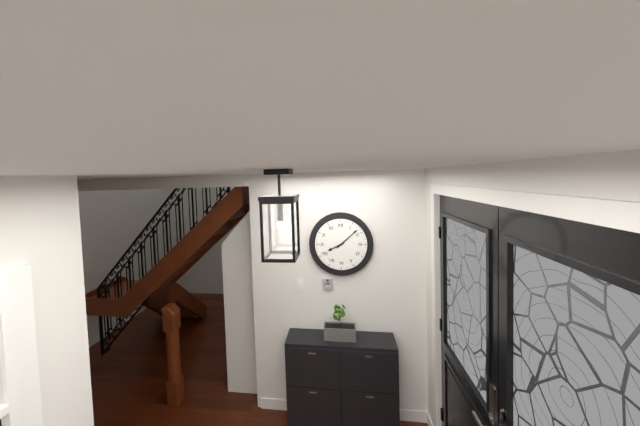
8:08
